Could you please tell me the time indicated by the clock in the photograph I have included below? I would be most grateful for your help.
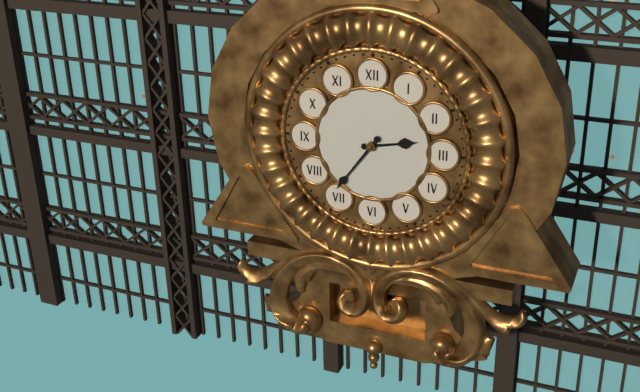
2:36
